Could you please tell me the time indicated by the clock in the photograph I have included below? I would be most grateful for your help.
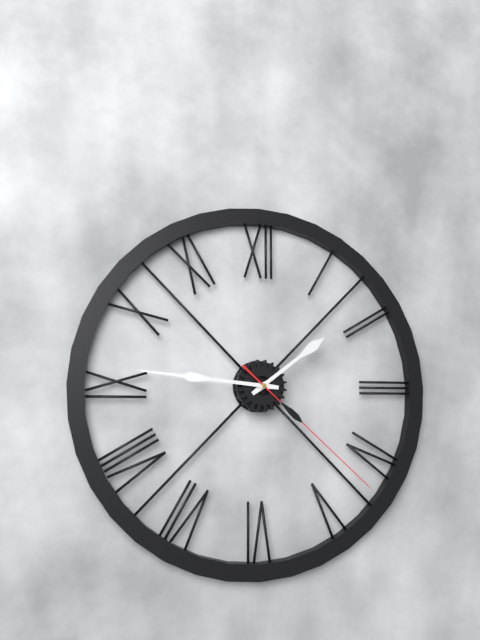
1:46:22
